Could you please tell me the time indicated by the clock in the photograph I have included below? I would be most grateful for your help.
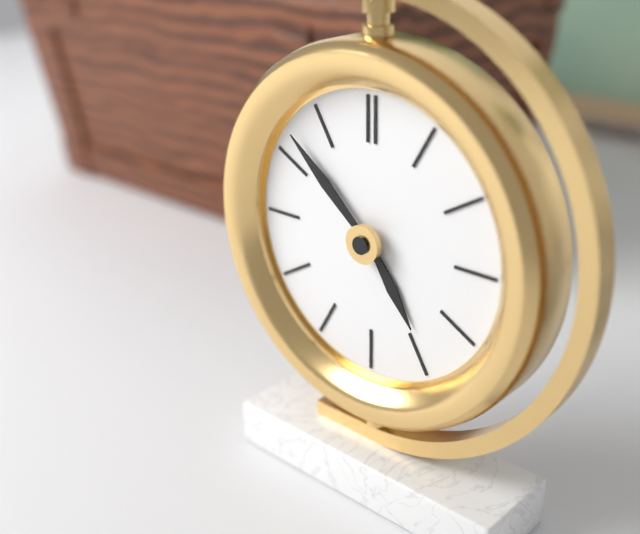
4:52
